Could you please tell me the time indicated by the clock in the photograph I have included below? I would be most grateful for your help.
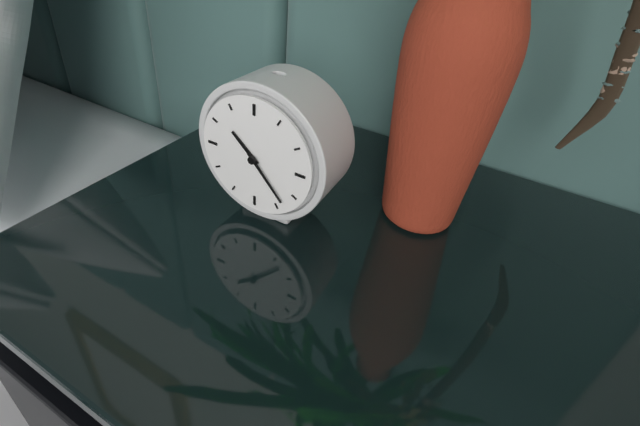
10:23
